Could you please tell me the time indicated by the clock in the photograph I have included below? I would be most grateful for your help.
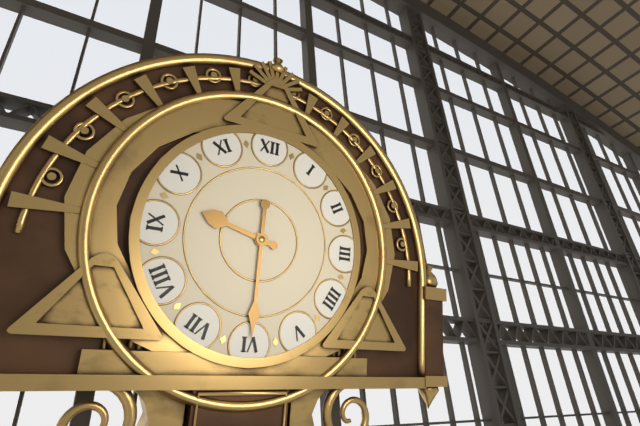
9:30
